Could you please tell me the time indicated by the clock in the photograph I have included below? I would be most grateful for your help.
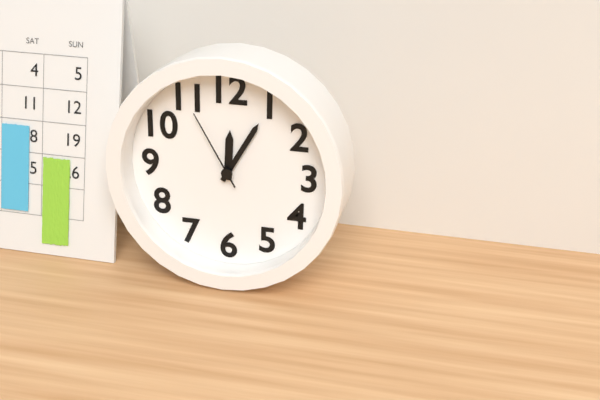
12:05:55
